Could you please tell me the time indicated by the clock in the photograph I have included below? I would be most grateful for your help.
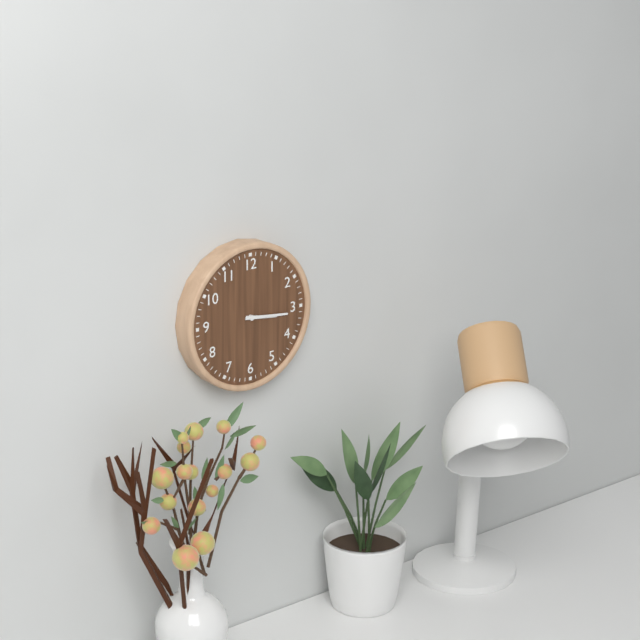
3:16
